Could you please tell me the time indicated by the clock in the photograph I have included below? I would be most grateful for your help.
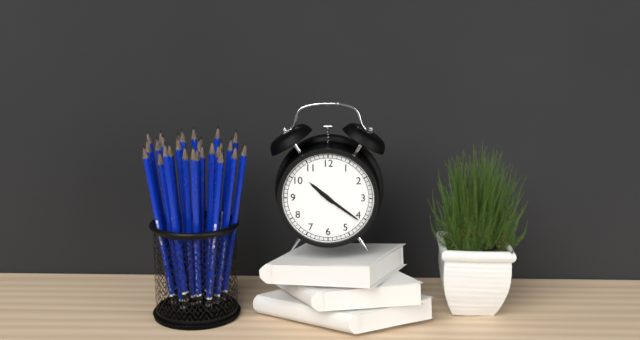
10:21
